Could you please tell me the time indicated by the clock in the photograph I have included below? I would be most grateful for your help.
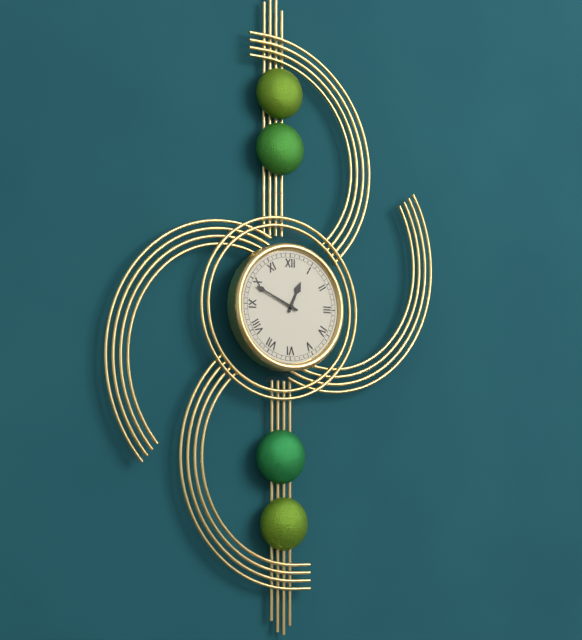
12:49
